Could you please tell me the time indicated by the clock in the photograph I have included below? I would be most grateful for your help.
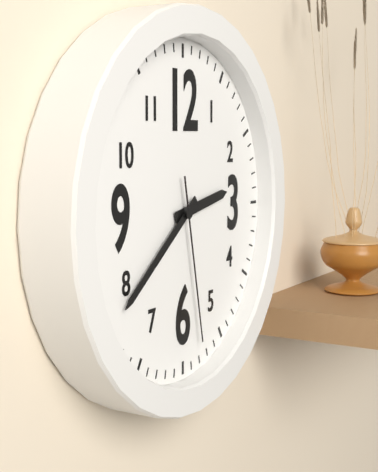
2:39:28
